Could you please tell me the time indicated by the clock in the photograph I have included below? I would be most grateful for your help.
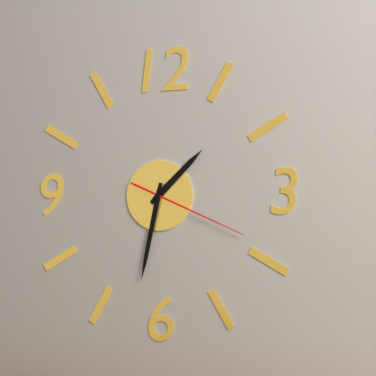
1:32:19
